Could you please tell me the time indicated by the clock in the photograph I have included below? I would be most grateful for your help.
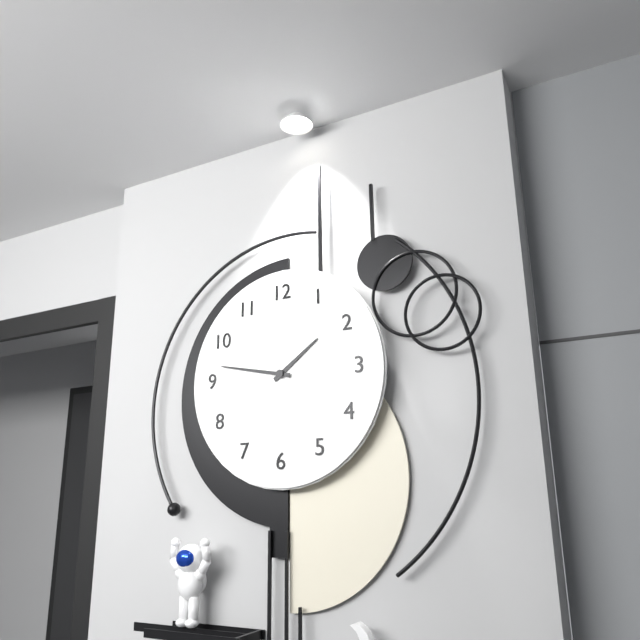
1:47
